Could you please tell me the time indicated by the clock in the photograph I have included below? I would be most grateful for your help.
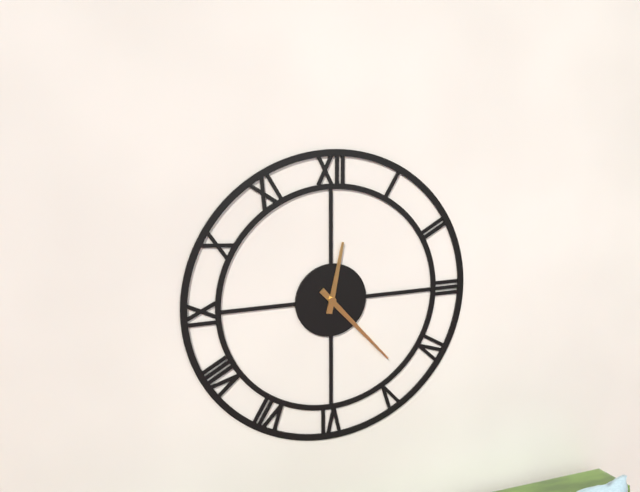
12:23
